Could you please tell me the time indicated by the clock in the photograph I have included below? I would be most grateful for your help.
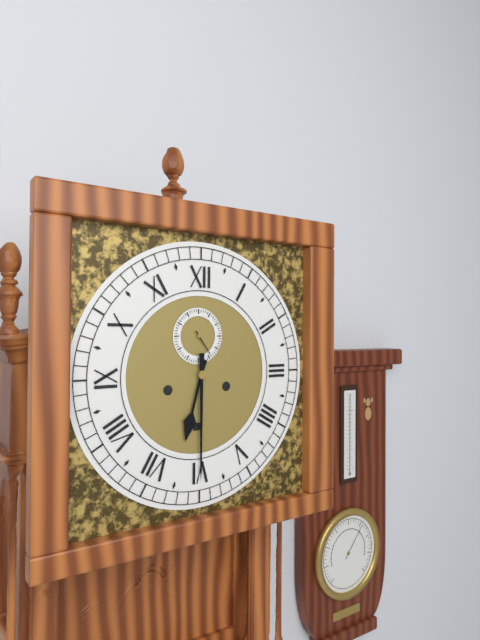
6:30
